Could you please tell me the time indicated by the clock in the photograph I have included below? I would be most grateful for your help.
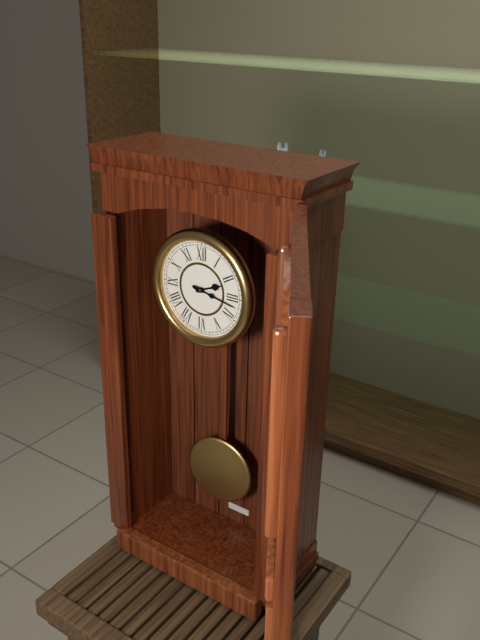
2:17
